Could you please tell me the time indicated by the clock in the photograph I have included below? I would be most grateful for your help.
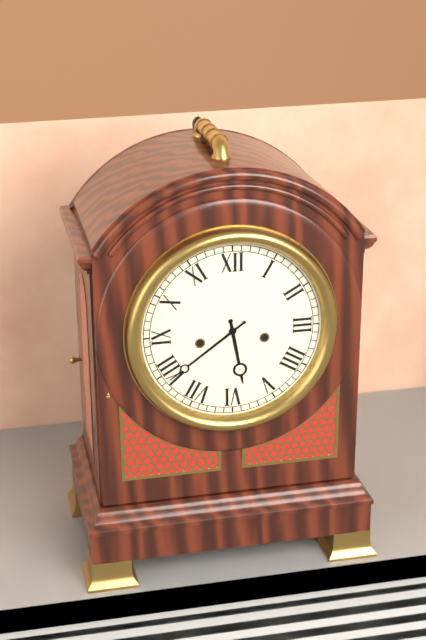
5:39
